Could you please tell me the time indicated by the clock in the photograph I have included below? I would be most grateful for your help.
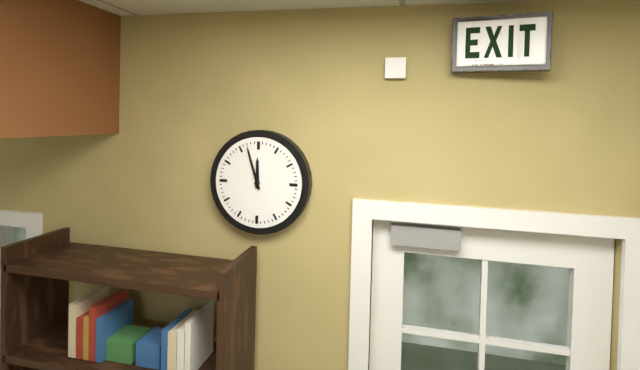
11:57
